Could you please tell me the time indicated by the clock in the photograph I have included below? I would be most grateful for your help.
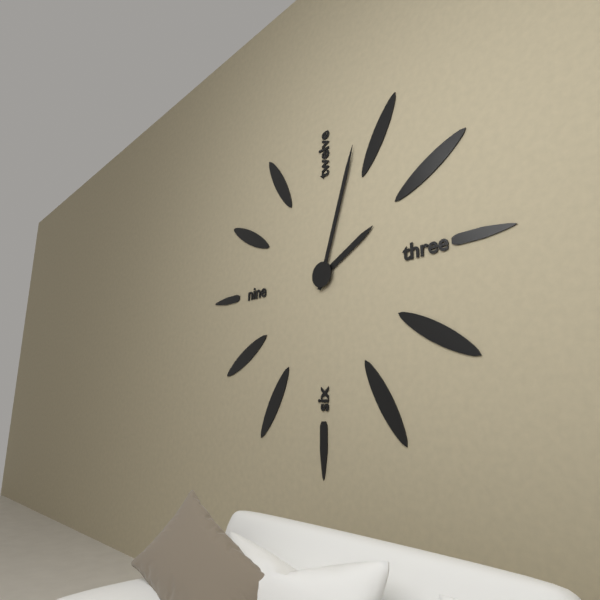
2:03
